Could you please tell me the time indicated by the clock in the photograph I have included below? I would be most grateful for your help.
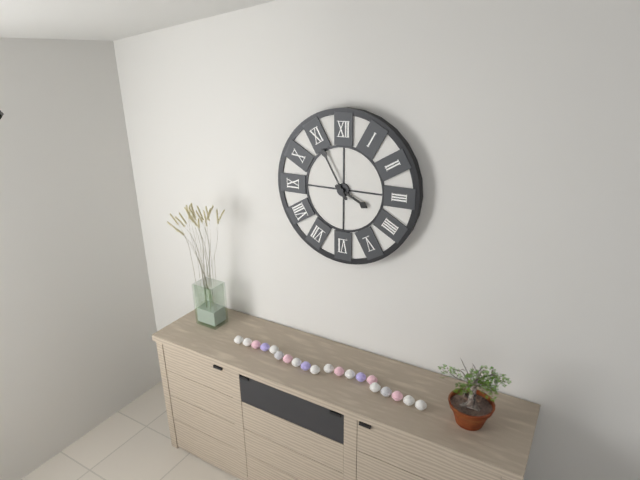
3:55
